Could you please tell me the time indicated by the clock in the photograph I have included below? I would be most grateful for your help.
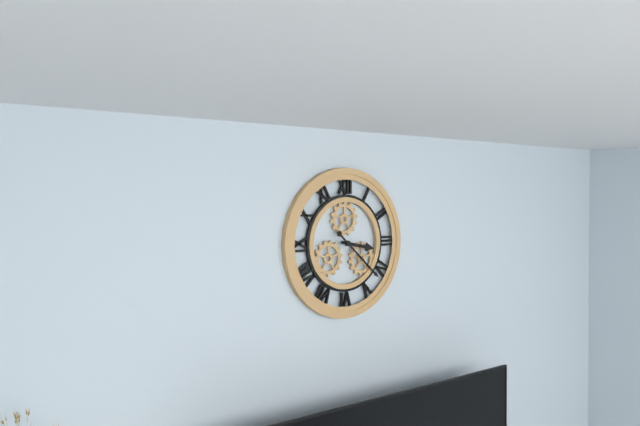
3:22
